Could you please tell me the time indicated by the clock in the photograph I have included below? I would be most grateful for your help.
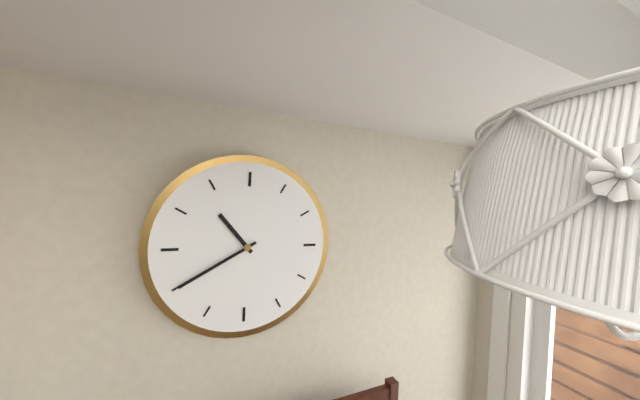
10:40
